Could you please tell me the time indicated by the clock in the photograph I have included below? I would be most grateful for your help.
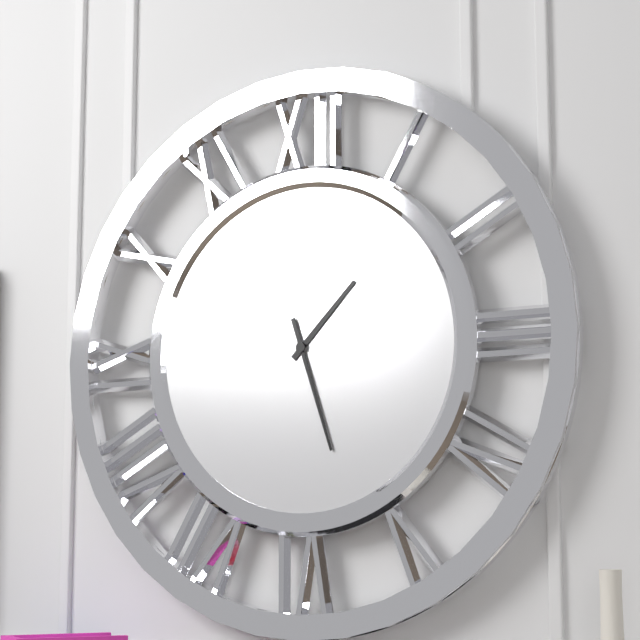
1:27
